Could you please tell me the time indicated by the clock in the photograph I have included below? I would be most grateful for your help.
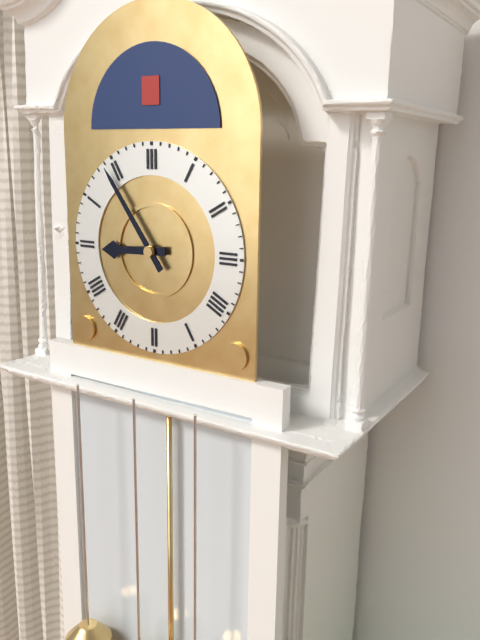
8:54
